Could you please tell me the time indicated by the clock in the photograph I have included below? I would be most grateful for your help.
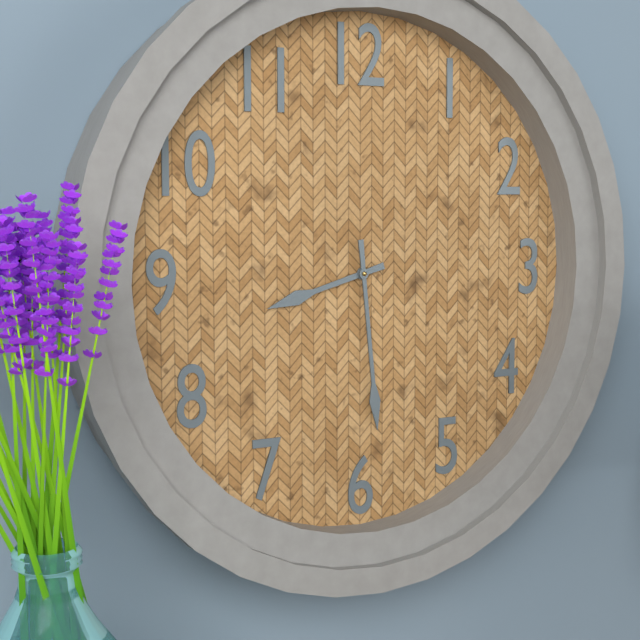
8:29
